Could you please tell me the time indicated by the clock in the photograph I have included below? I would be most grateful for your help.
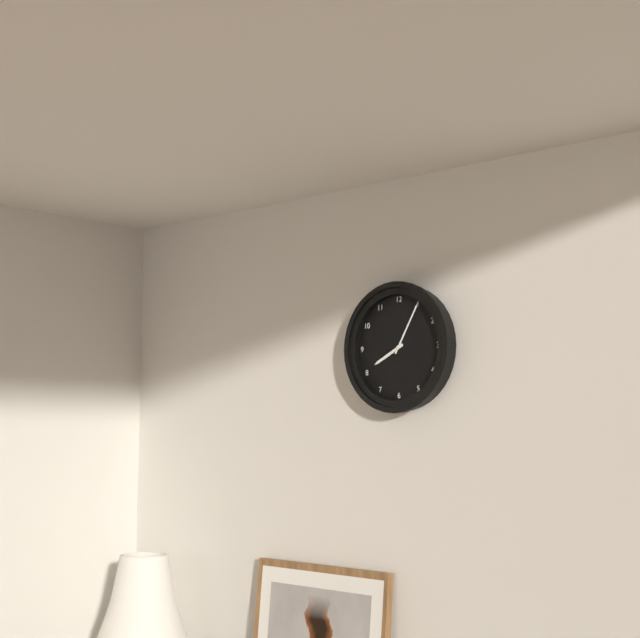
8:05
